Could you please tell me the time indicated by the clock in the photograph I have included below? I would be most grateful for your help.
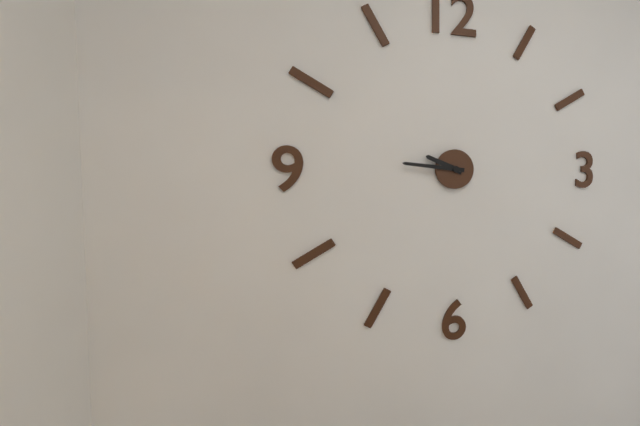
9:46
